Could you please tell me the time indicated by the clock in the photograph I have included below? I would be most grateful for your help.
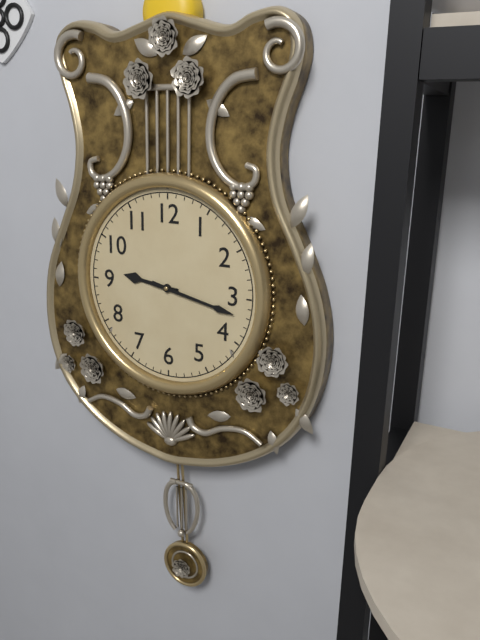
9:17
